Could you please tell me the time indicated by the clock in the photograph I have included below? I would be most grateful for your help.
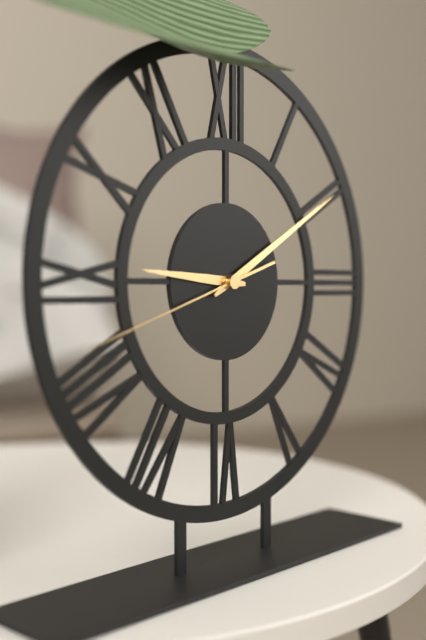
9:10:42
